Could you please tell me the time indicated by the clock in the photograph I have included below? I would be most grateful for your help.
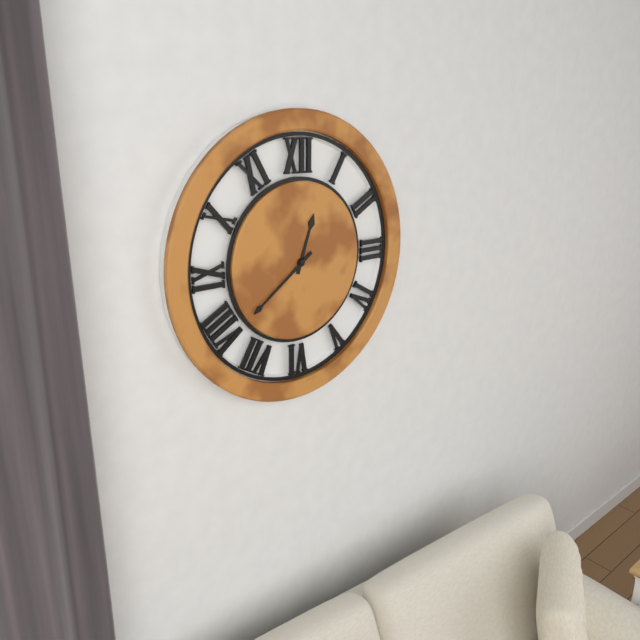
12:39
